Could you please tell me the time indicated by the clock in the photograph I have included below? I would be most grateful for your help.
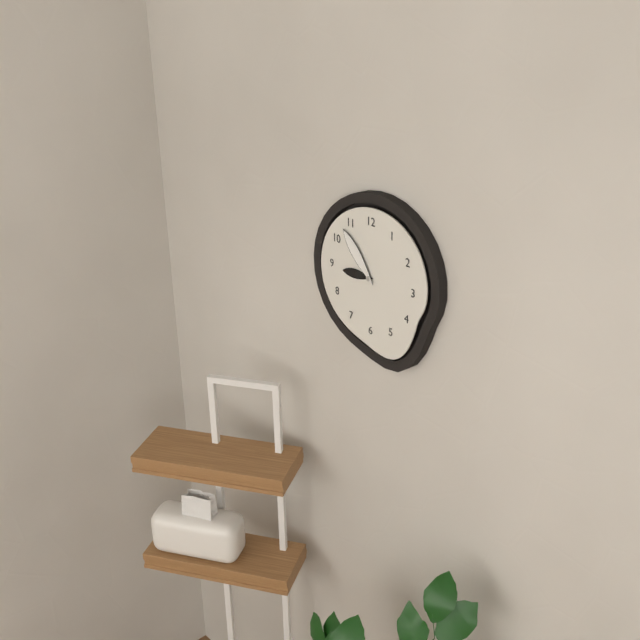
8:53
